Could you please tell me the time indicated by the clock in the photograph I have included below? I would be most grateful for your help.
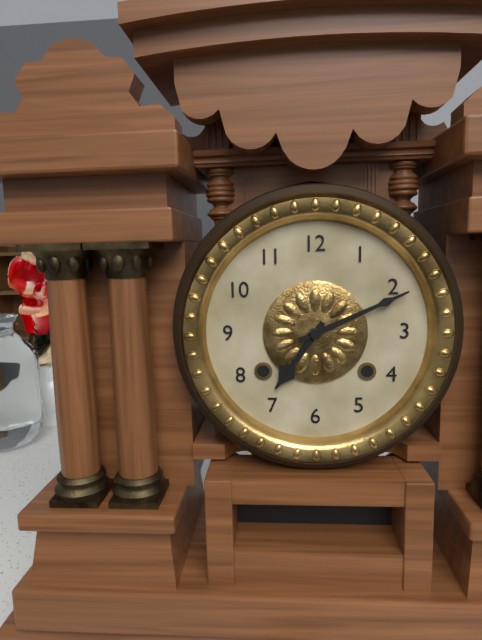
7:11
